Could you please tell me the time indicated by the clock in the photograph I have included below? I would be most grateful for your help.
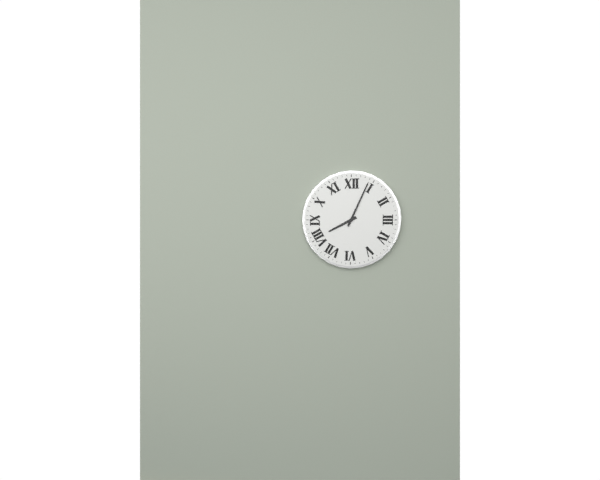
8:04
